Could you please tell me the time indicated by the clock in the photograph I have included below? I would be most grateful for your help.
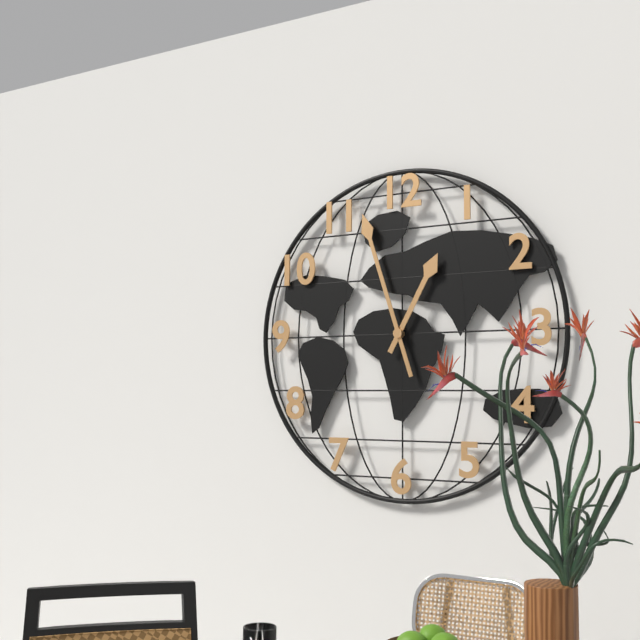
12:57
